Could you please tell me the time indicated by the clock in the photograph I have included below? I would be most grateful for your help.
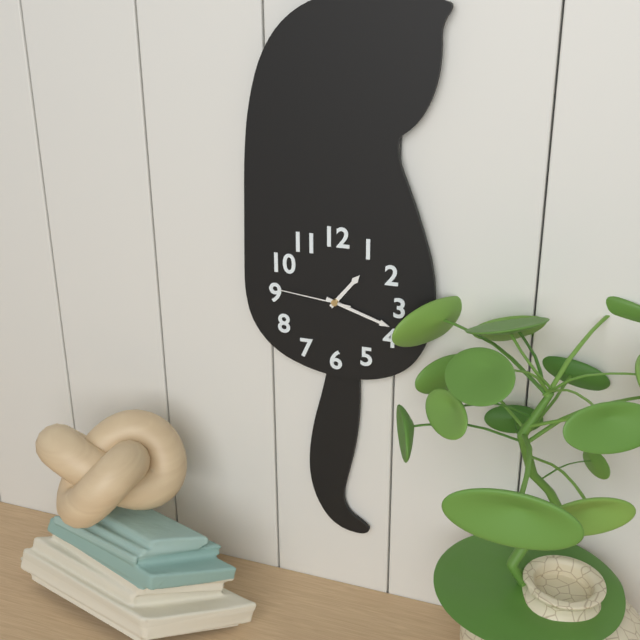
1:18:46
